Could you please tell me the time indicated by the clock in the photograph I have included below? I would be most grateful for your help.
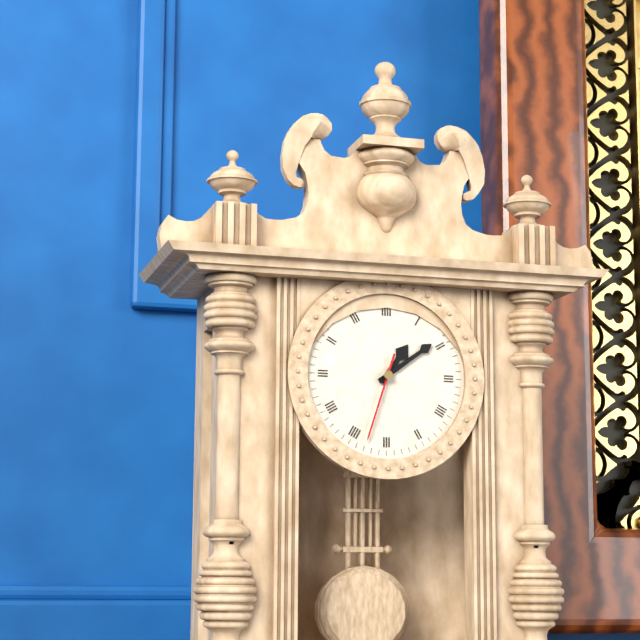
1:09:33
